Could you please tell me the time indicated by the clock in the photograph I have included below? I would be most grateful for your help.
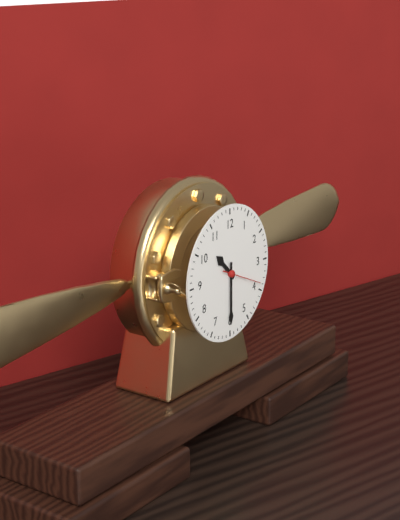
10:30
